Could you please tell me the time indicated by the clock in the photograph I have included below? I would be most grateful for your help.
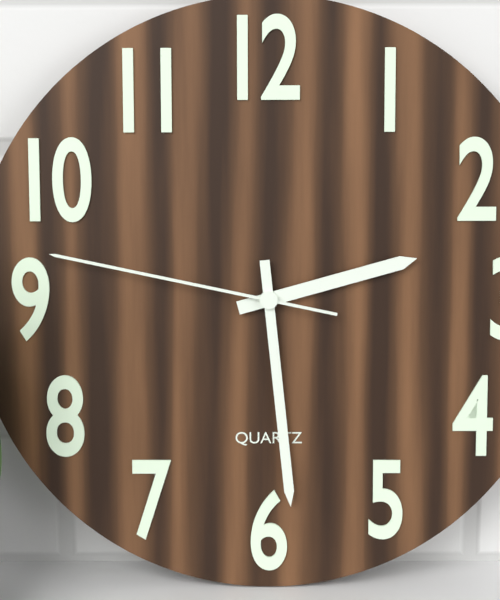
2:29:47
